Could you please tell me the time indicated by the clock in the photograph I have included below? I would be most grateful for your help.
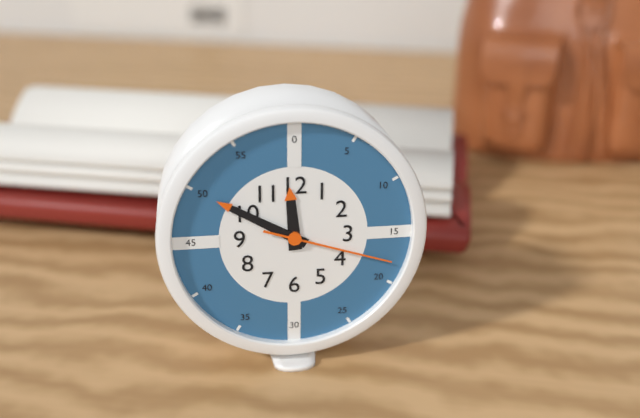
11:50:18
